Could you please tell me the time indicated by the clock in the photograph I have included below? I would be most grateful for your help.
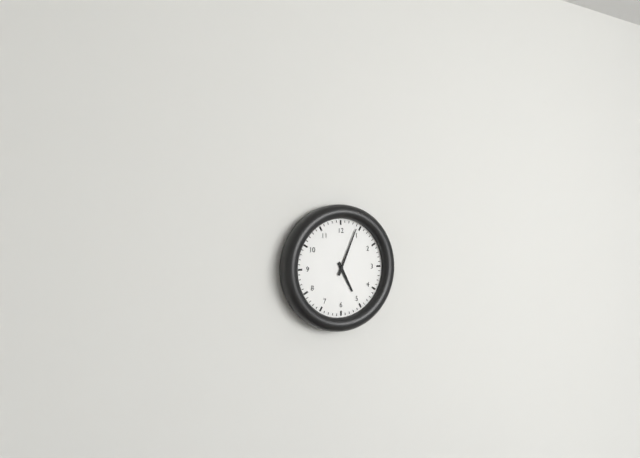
5:04
